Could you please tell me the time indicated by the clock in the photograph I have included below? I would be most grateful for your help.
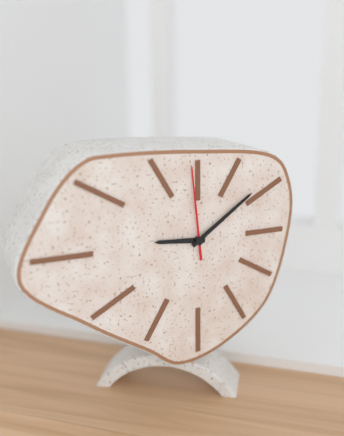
9:09:59
